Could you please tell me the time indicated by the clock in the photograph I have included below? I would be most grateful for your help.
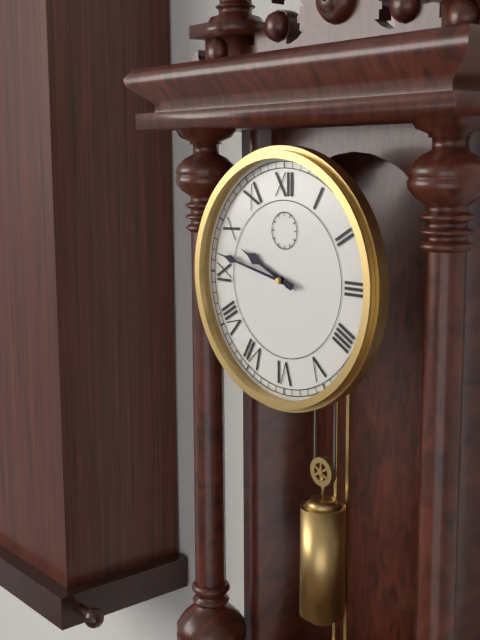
9:47
